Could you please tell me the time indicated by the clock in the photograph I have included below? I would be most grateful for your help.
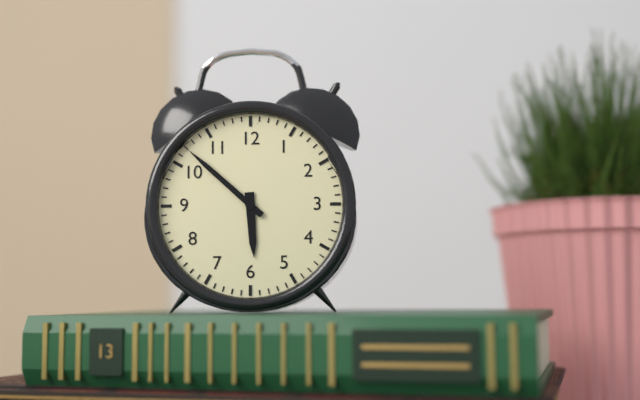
5:52
